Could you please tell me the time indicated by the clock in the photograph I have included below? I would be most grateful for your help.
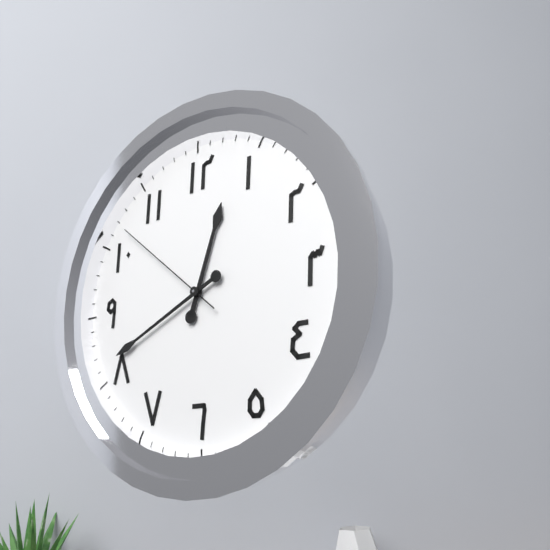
12:41:52
